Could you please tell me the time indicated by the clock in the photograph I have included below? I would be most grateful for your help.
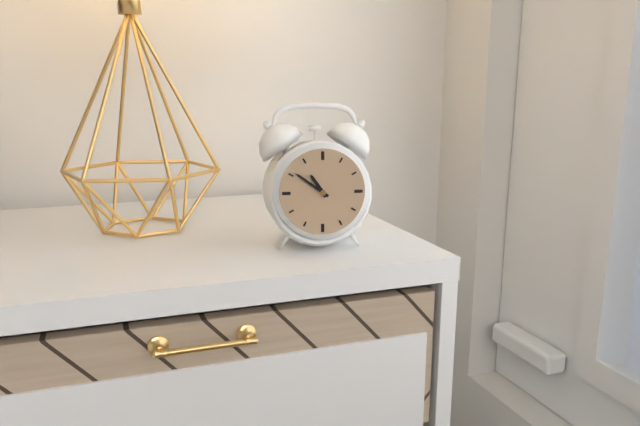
10:51
